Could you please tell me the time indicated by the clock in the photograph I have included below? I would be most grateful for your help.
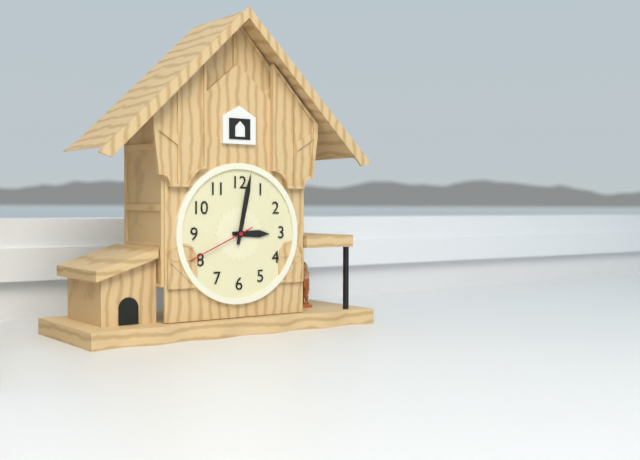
3:02:41
